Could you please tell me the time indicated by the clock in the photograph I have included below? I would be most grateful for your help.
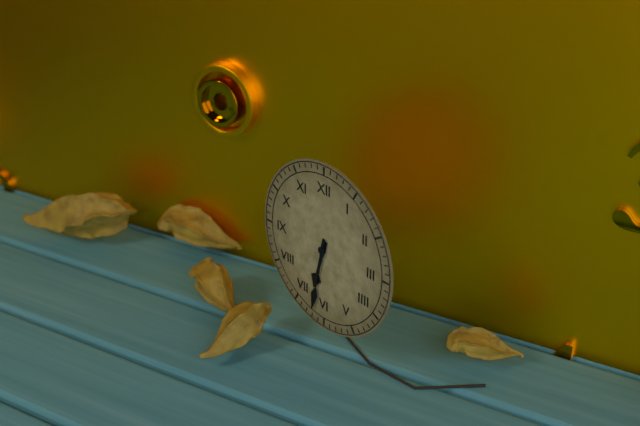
6:32
